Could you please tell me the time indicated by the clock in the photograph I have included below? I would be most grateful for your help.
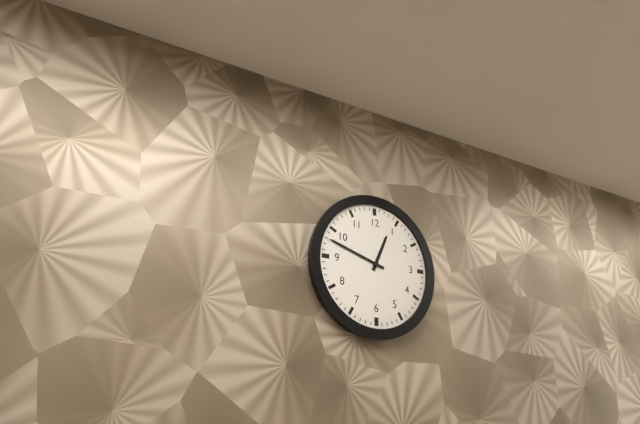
12:48
